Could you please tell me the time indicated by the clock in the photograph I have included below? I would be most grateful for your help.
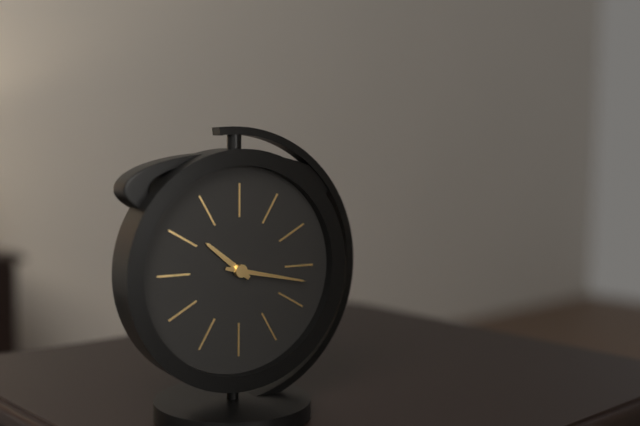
10:17
